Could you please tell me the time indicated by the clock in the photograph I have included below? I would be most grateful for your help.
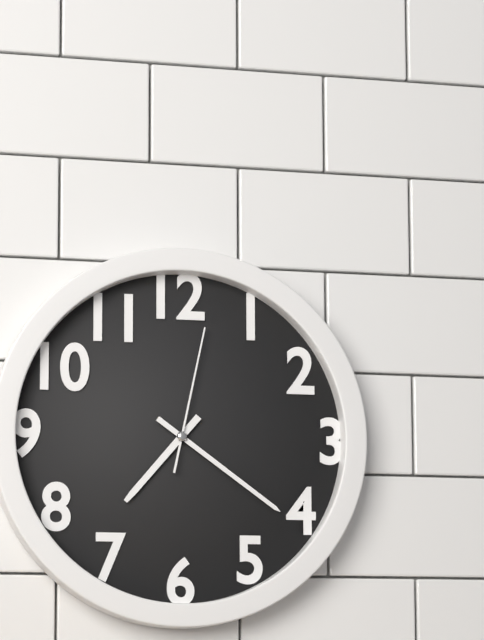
7:21:02
